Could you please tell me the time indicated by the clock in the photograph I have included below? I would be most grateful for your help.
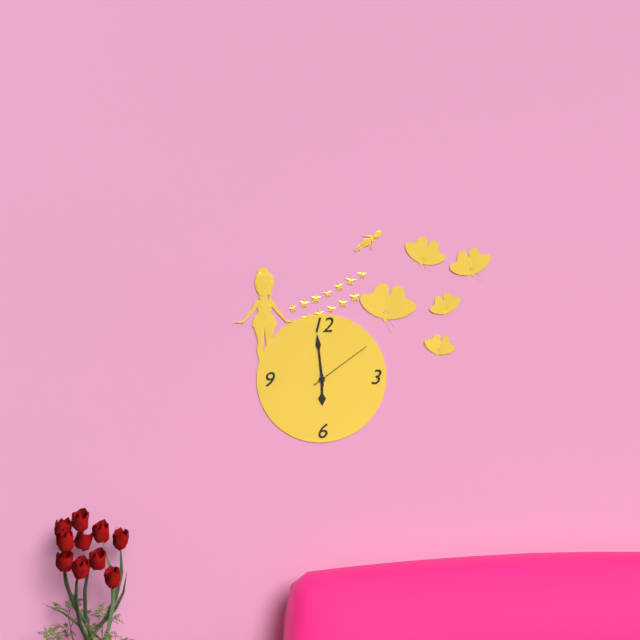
5:59:09
